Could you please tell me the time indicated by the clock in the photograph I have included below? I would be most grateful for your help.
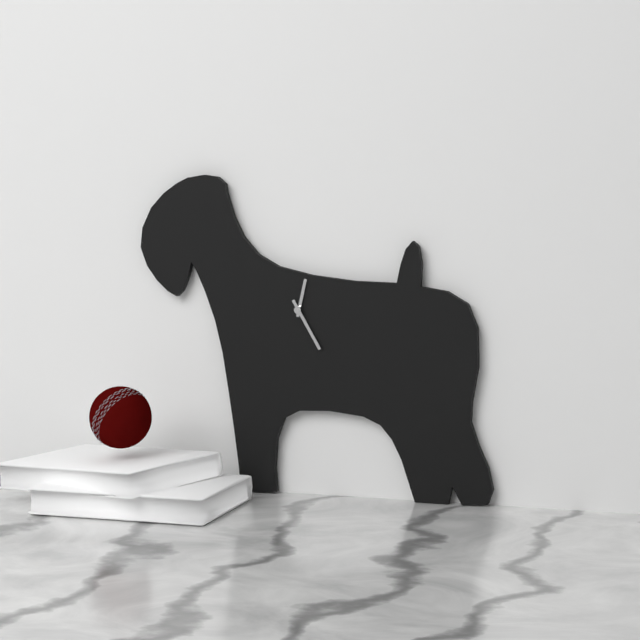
12:25
